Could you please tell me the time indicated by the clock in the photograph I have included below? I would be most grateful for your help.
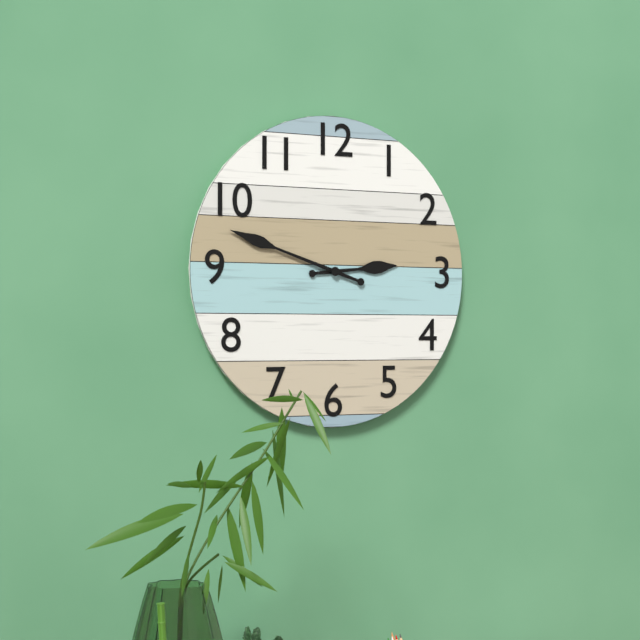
2:48
